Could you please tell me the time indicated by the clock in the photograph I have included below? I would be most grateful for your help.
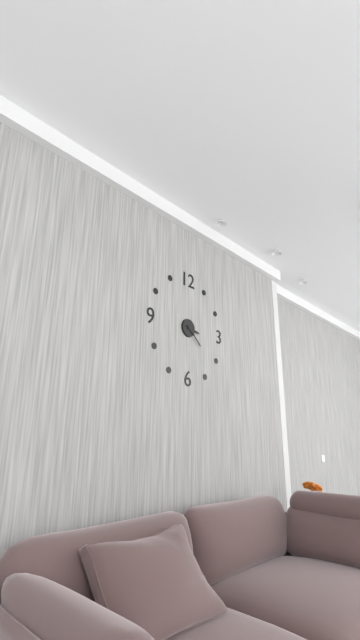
3:22
